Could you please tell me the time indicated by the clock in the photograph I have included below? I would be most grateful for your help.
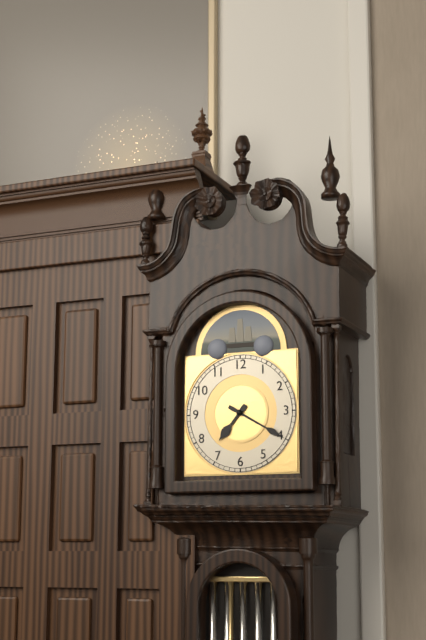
7:20
